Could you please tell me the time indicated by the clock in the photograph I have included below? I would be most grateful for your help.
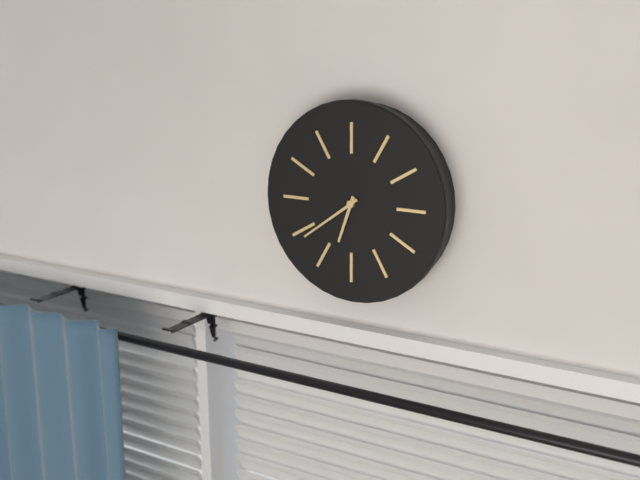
6:39
